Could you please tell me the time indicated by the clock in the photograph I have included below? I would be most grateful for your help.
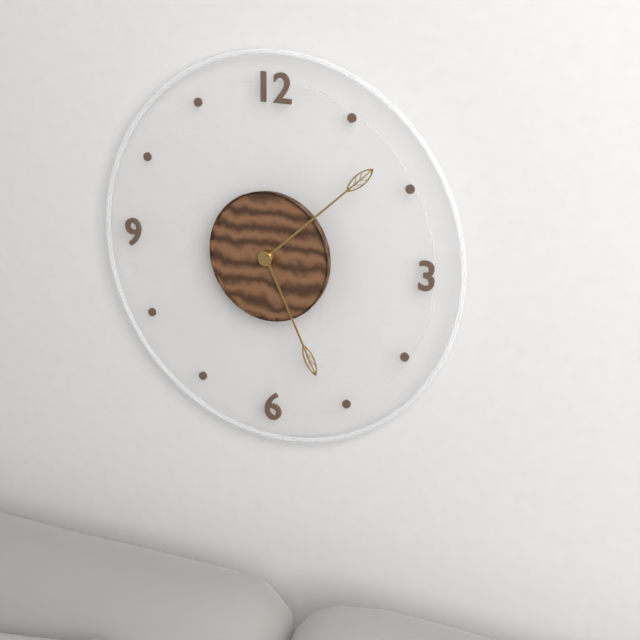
5:08
